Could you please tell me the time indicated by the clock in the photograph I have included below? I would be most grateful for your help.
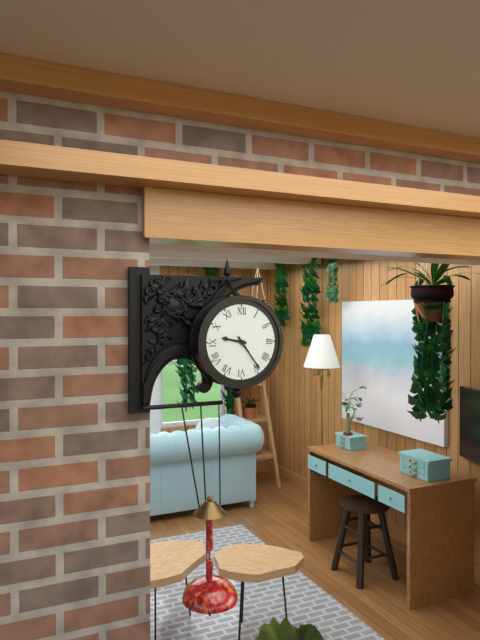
9:24
